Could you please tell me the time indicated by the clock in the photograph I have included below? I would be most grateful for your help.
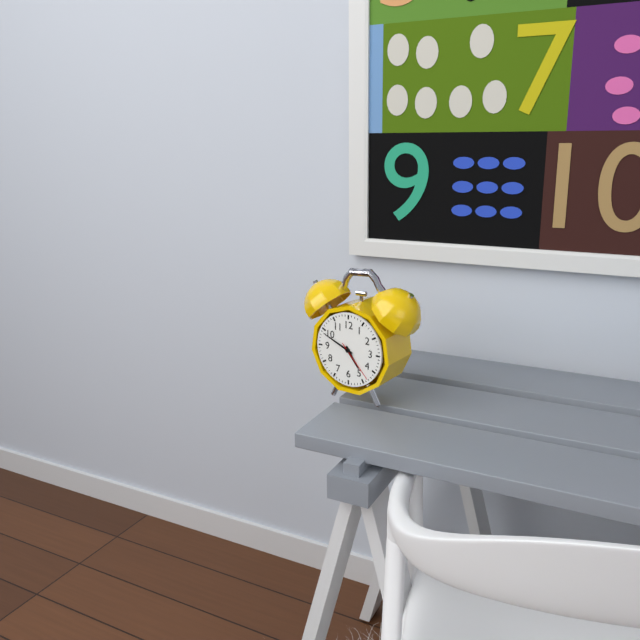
4:49
